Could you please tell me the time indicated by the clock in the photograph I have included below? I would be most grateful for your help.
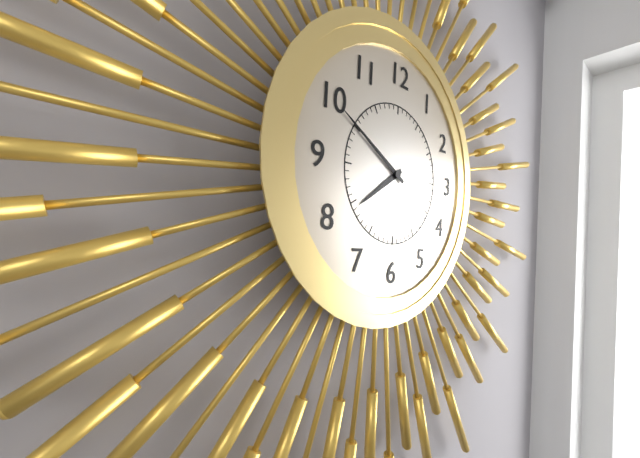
7:50
